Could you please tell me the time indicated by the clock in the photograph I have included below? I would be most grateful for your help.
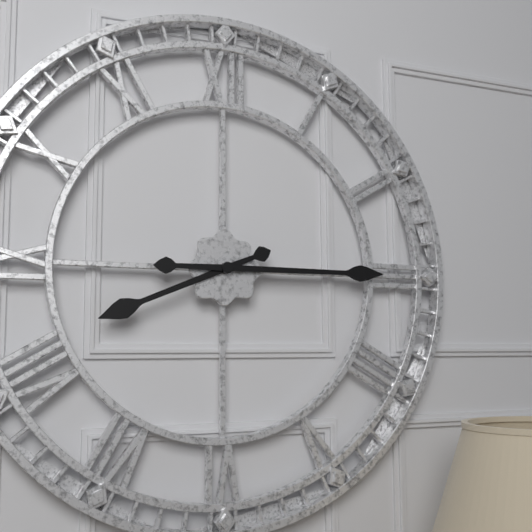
8:15
